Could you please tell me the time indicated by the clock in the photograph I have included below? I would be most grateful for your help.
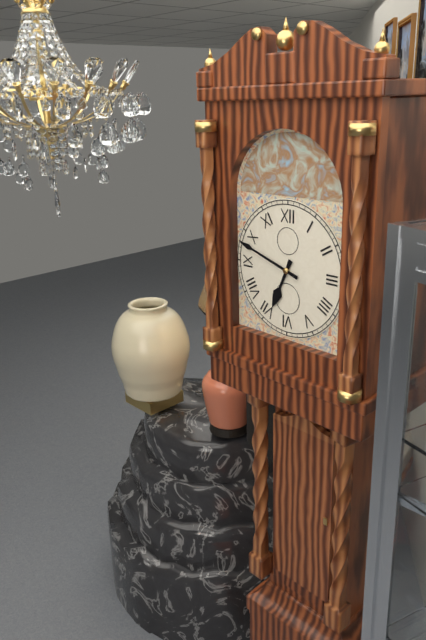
6:48
